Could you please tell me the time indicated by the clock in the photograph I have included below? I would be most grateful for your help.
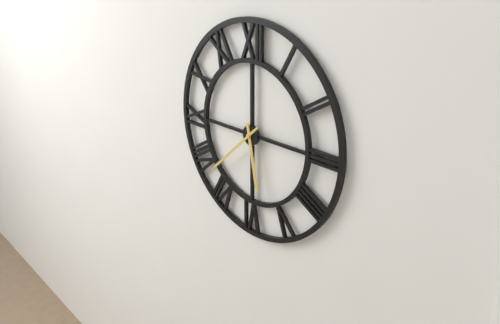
5:38
